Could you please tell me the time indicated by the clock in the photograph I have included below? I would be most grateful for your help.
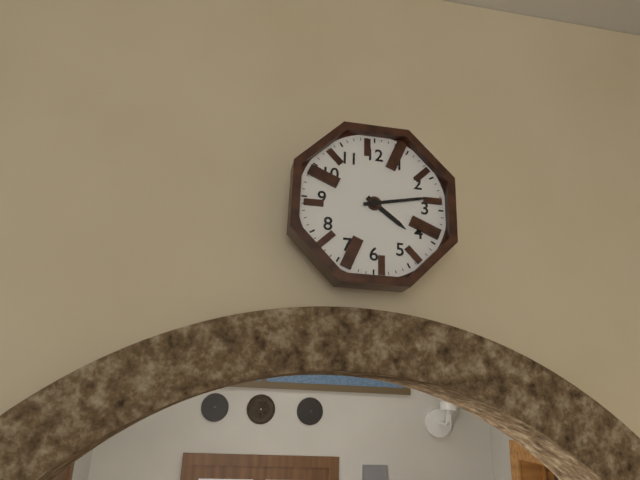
4:13
